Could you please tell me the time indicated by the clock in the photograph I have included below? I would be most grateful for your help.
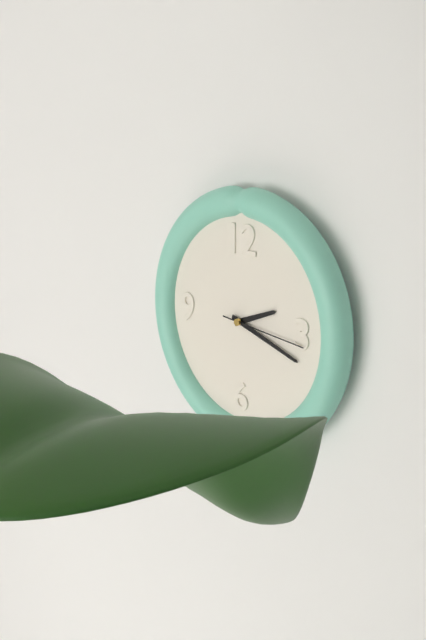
2:18:16
